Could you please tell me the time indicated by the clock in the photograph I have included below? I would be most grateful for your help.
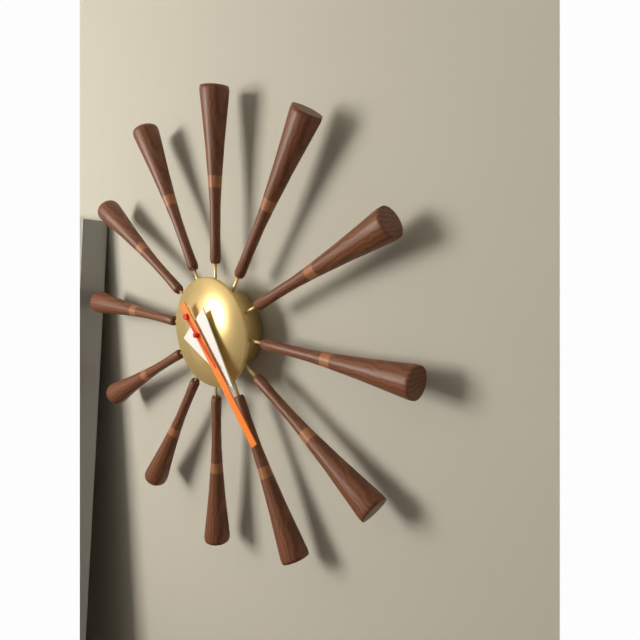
4:23:22
